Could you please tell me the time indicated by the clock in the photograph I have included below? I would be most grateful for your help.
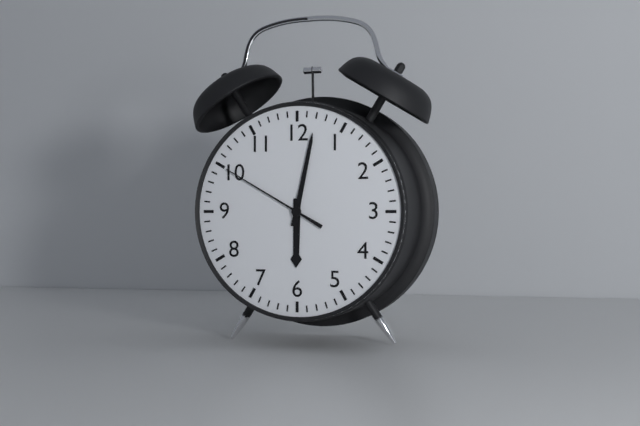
6:02:50
